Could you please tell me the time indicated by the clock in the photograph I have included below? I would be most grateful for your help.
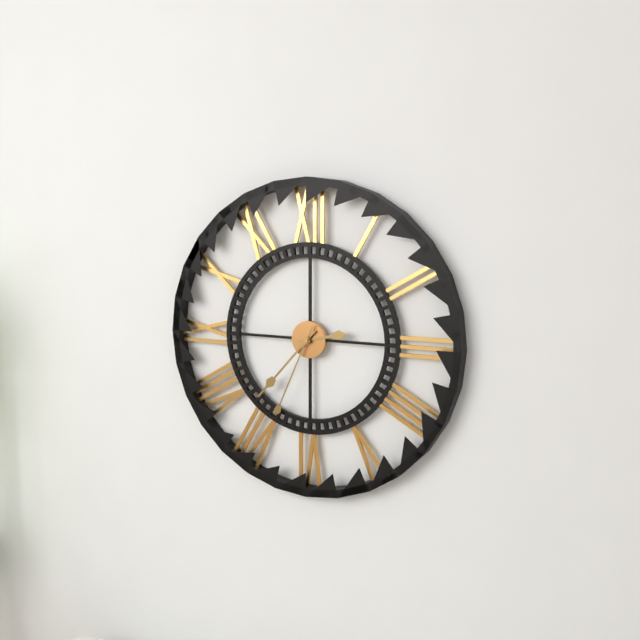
2:37:34
